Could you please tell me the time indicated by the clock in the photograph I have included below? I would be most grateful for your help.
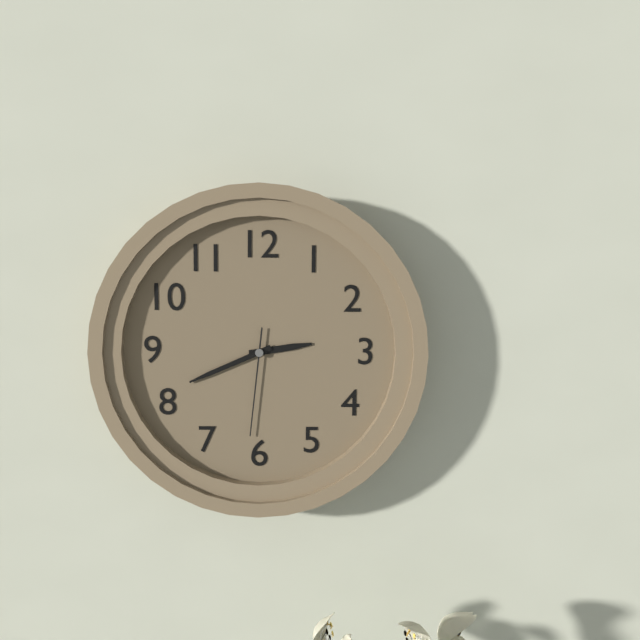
2:41:31
